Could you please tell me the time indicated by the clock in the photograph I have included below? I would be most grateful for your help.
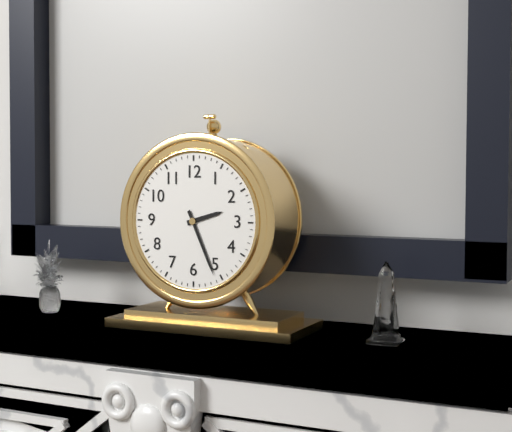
2:26
